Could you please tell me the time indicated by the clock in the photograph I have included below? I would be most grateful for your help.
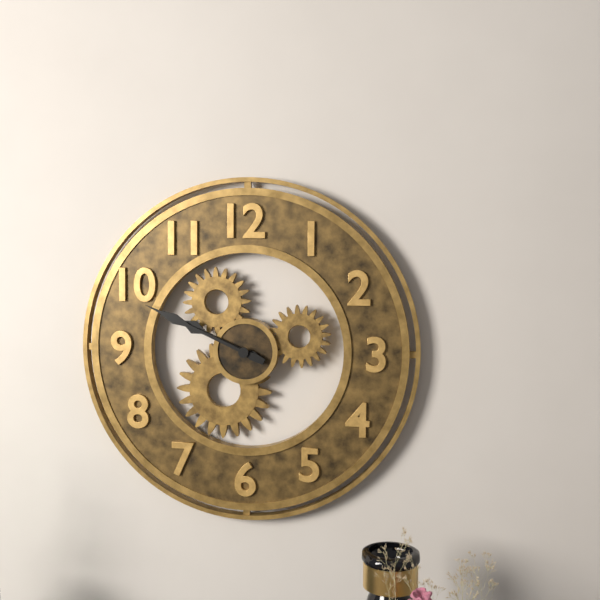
9:49
